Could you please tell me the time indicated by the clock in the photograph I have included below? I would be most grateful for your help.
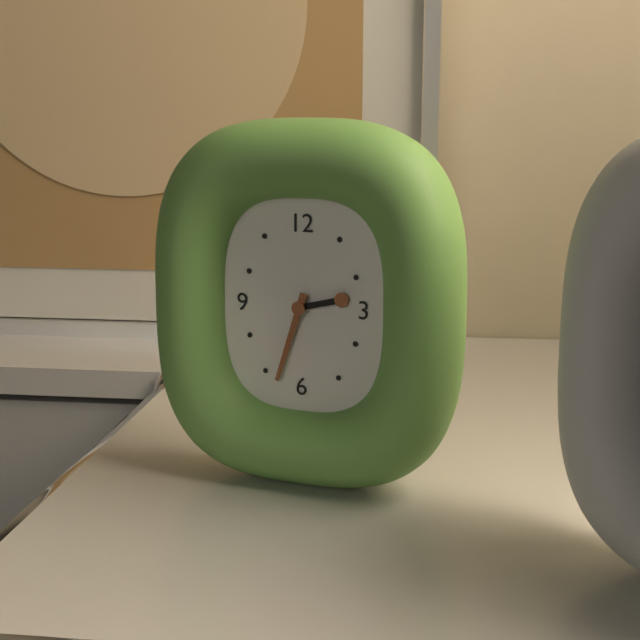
2:33
